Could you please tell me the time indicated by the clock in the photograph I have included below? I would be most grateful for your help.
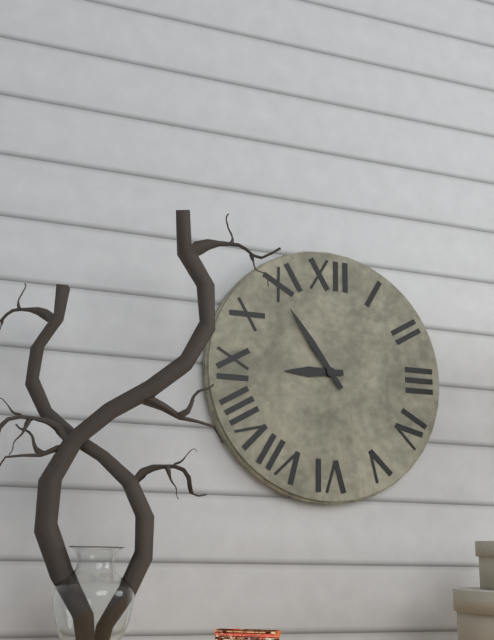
8:54
